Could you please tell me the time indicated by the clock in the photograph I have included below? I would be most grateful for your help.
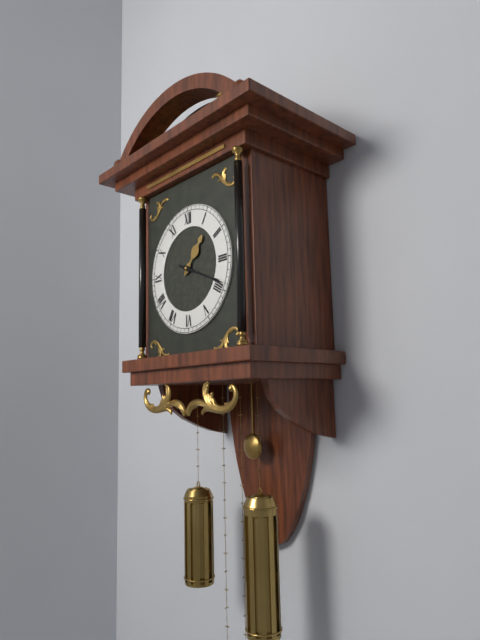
1:19
